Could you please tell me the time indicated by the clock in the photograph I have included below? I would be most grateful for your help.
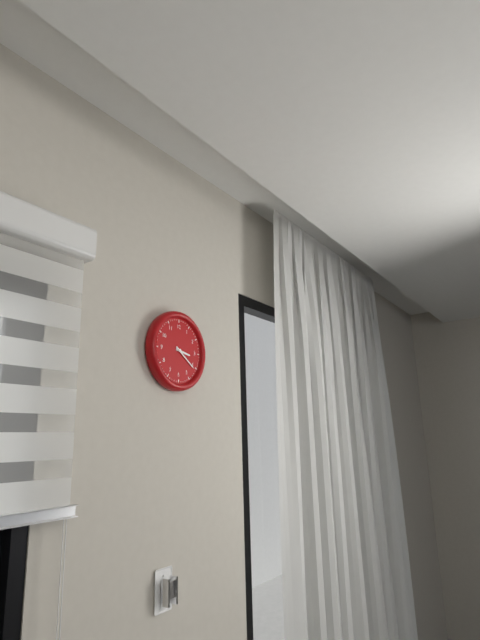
3:21
